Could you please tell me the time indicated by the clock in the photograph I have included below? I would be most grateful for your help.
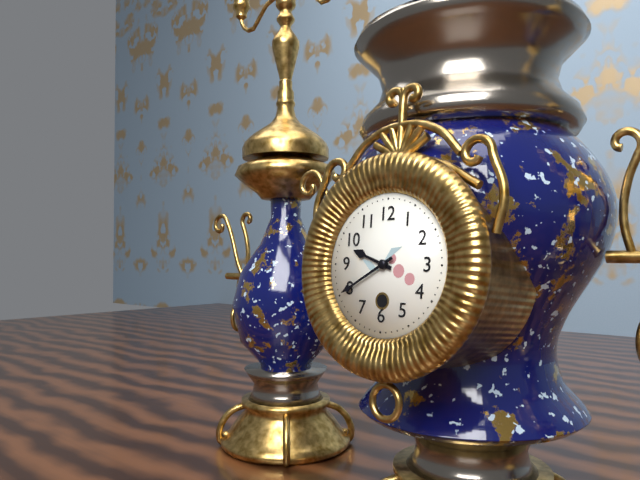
9:40
